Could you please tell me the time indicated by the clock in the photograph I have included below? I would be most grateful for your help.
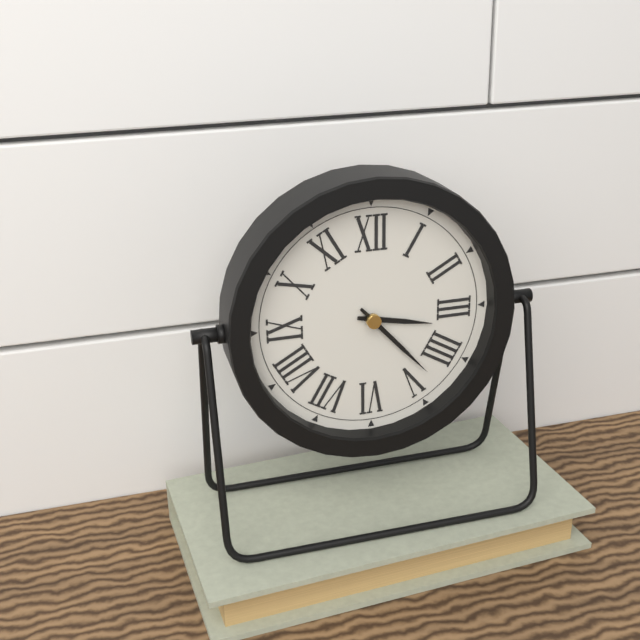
3:23
